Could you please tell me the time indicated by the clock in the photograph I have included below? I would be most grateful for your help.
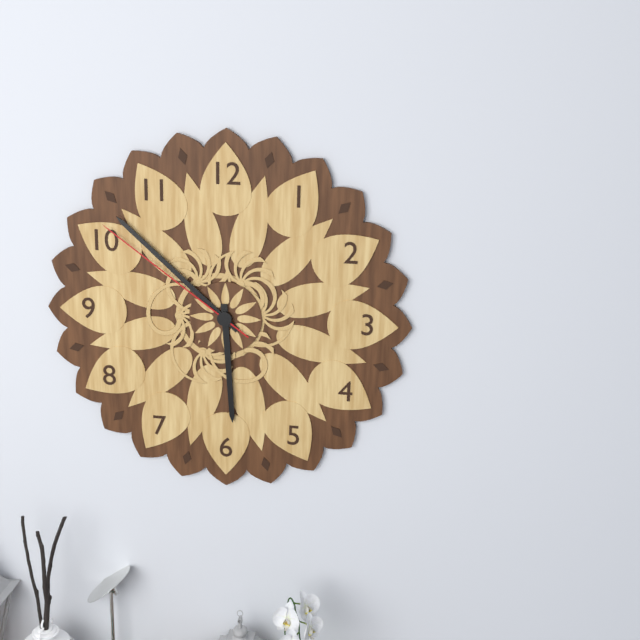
5:52:51
